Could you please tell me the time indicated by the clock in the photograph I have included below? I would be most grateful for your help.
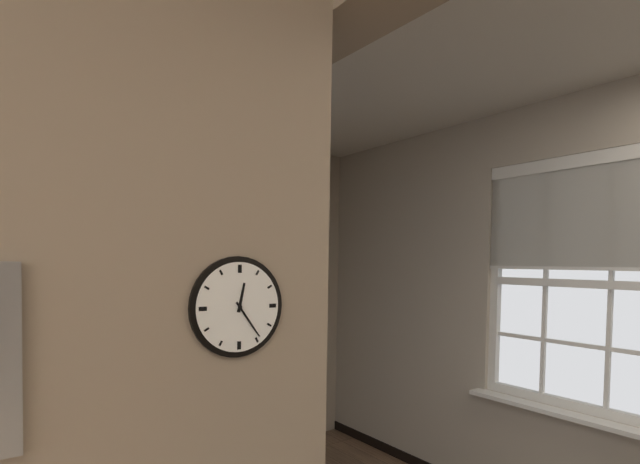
12:24
